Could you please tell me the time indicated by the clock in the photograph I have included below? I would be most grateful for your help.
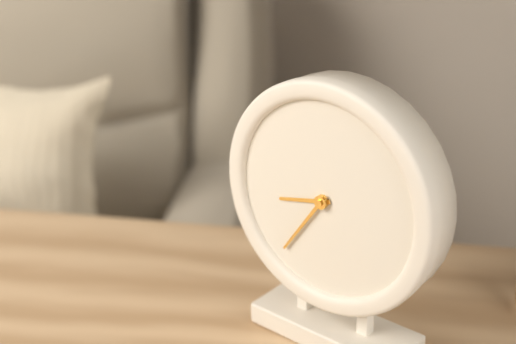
8:36
